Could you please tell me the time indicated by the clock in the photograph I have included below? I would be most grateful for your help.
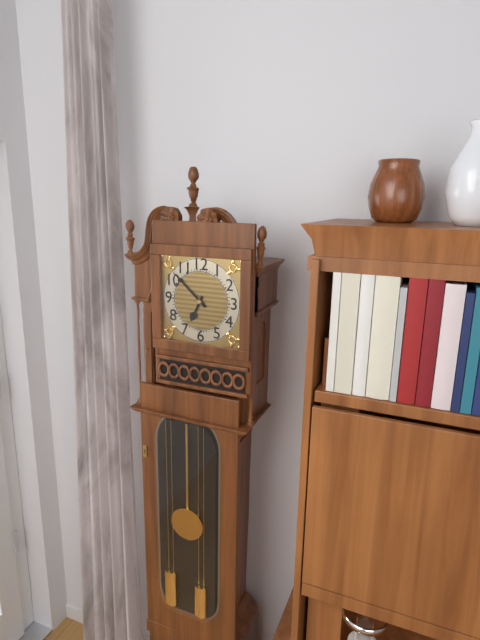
6:52
